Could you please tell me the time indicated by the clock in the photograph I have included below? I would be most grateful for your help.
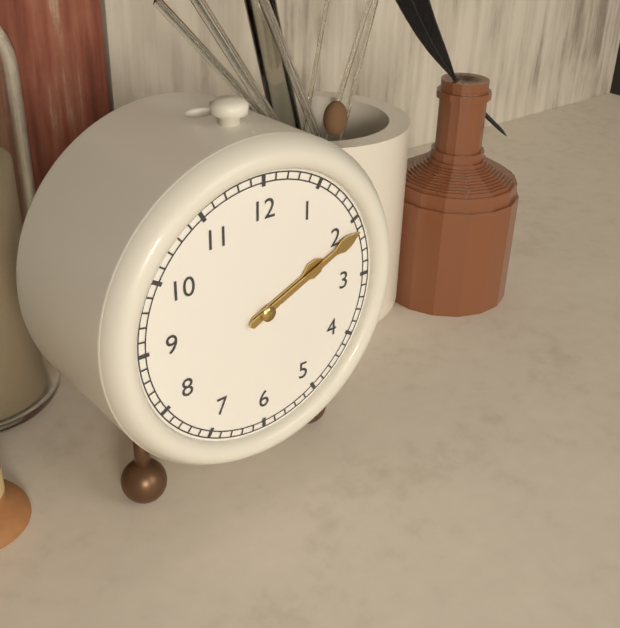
2:11
